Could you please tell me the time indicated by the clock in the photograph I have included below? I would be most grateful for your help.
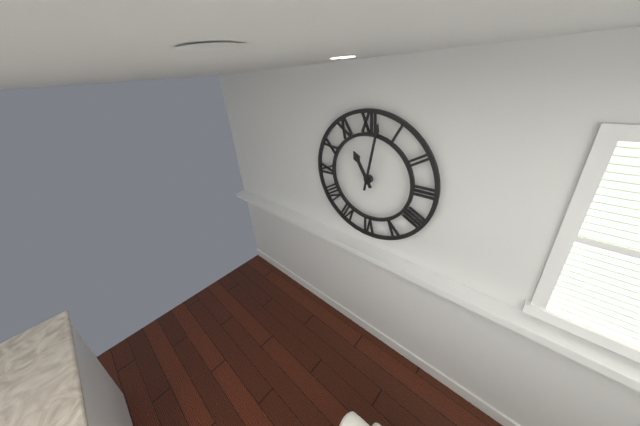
11:02
